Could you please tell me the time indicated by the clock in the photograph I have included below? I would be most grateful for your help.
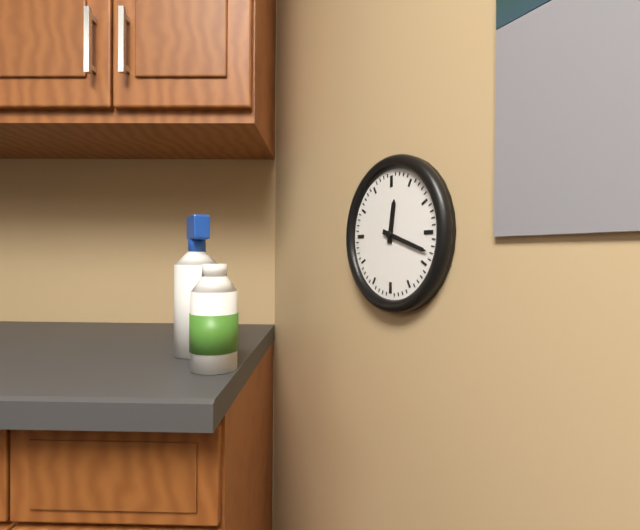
12:18
